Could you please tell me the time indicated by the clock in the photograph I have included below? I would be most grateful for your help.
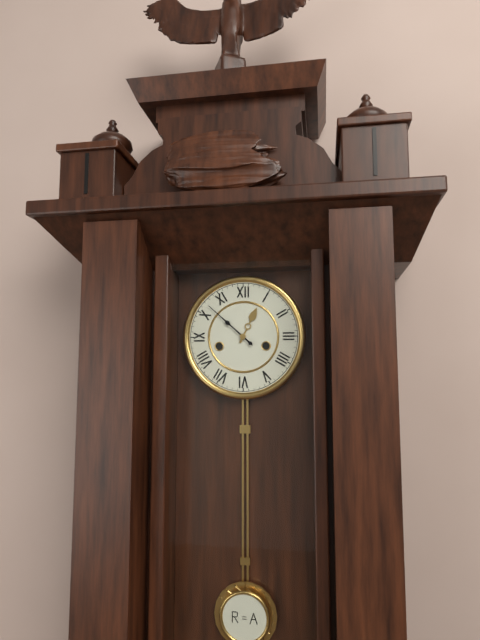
12:52
